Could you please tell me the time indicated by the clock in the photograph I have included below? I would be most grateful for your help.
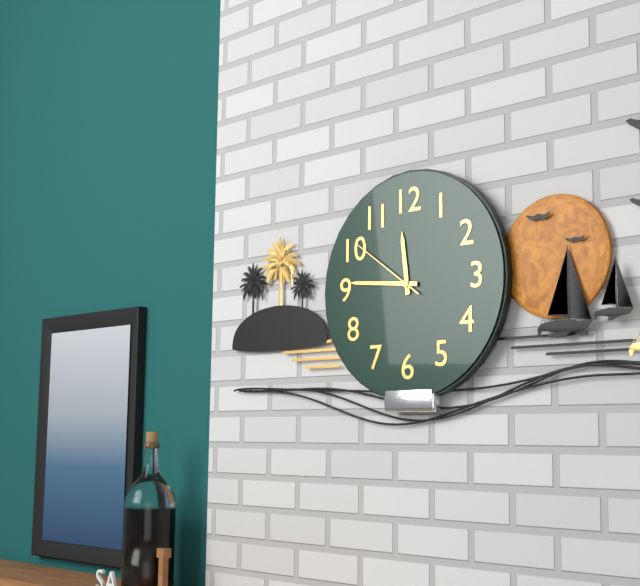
11:46:51
